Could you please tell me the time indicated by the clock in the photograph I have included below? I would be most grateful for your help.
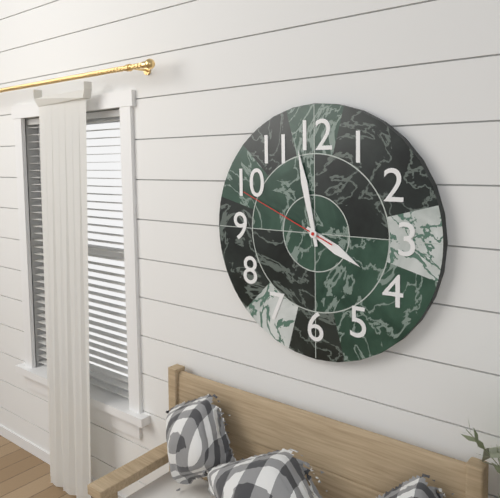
3:58:49
